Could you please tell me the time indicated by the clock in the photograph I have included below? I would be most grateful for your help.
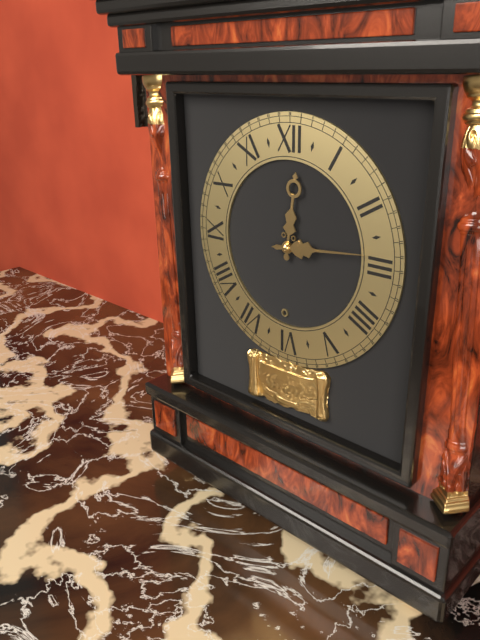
12:14
